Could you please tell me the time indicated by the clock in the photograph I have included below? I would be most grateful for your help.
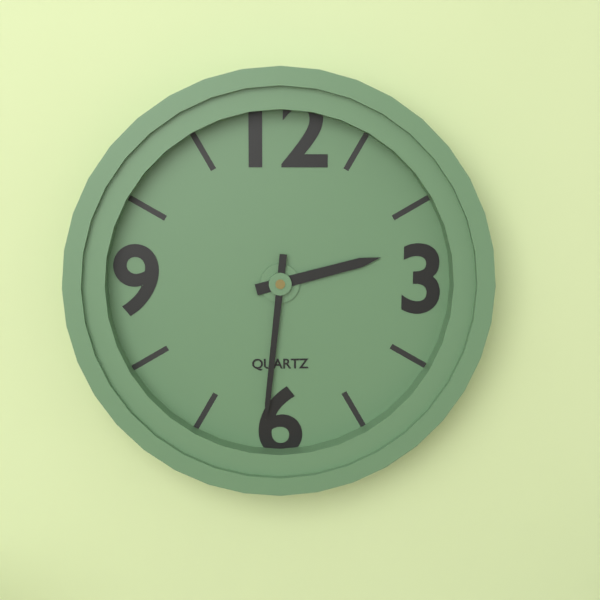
2:31
